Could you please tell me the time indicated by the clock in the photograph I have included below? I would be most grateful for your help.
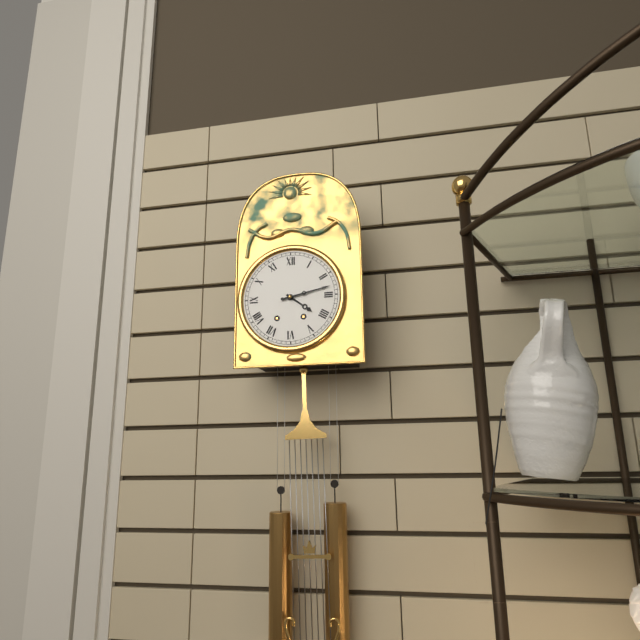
4:13
